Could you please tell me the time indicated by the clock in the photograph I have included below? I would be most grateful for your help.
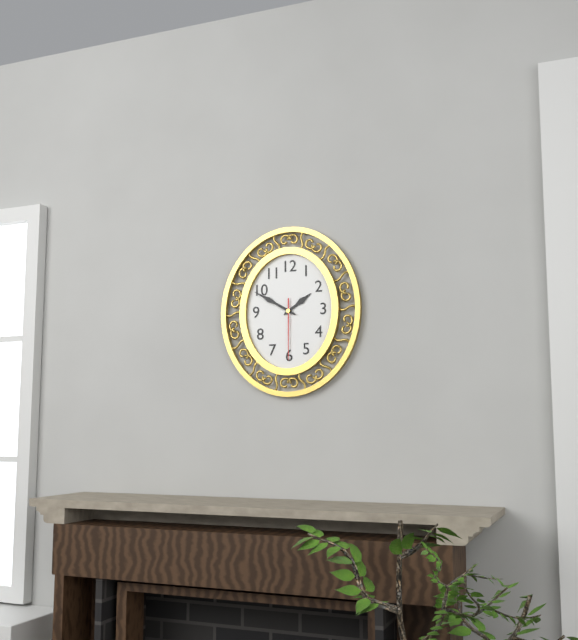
1:50:30
